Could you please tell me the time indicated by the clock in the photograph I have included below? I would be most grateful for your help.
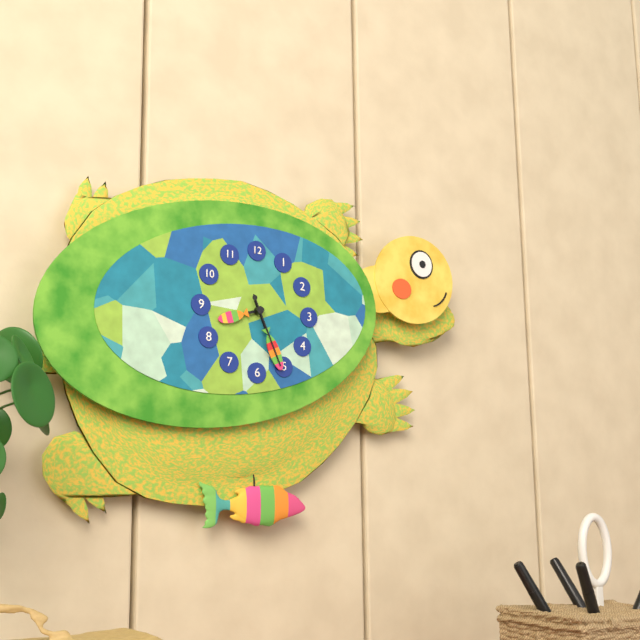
8:26:26
